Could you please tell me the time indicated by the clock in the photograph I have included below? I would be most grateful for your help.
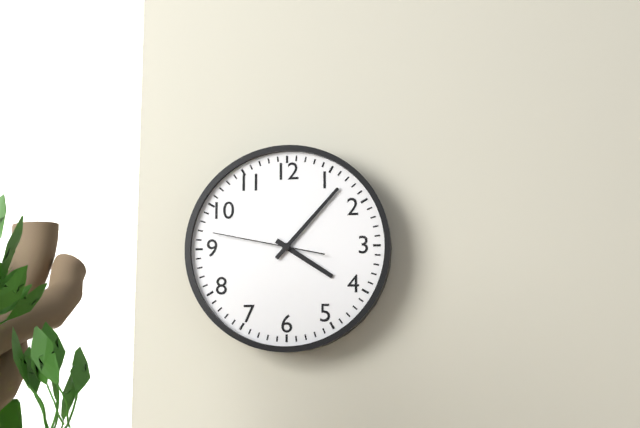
4:07:47
